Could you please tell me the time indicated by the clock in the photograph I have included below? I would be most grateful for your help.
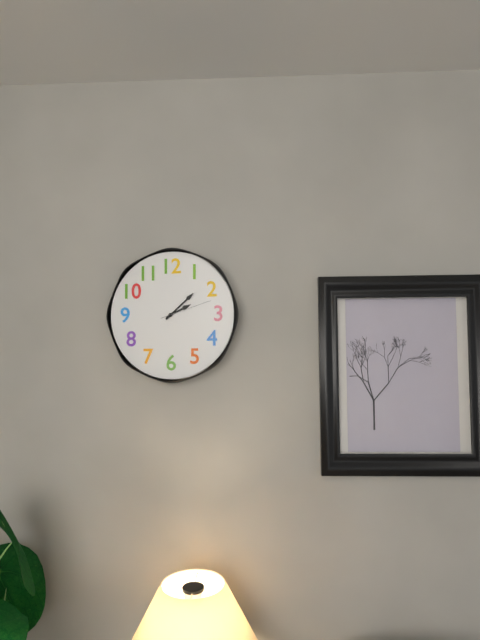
2:08:12
